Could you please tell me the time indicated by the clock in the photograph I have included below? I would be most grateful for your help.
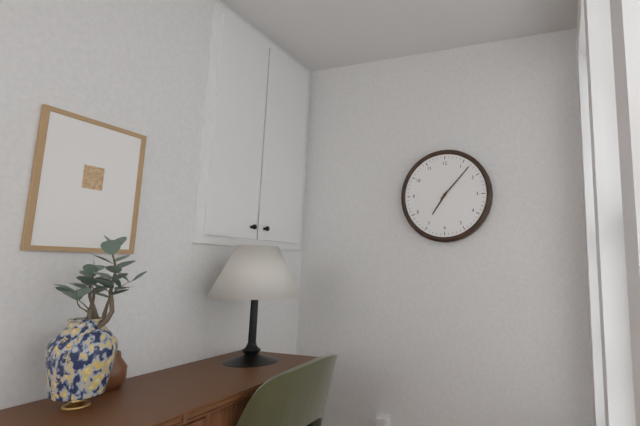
7:07
